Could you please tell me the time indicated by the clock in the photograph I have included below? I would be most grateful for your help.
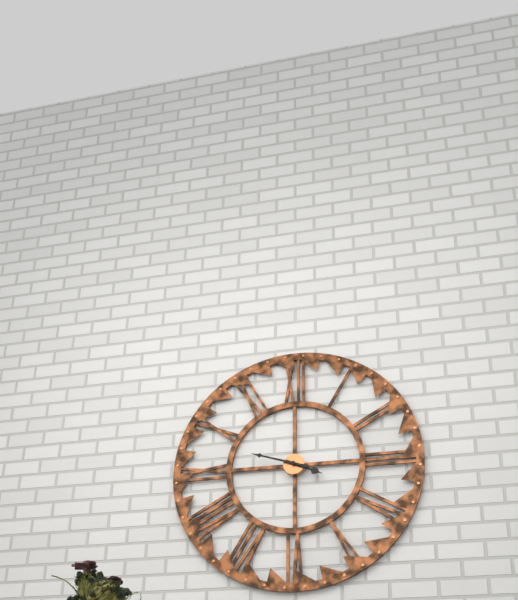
3:48
